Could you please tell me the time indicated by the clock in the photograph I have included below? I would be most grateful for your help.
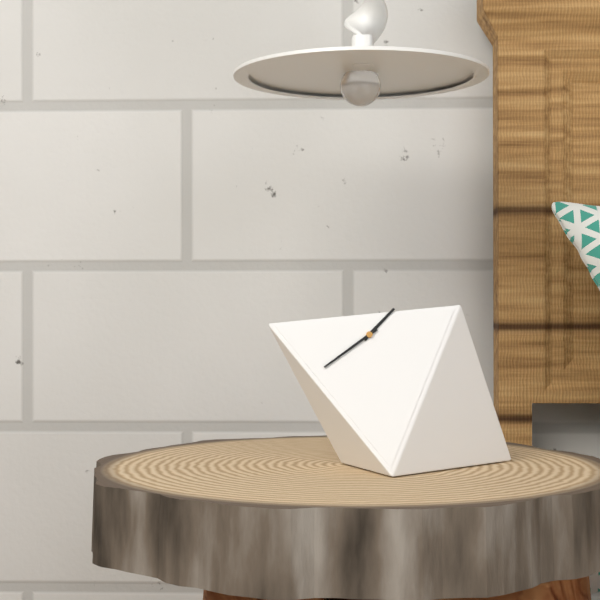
1:40
